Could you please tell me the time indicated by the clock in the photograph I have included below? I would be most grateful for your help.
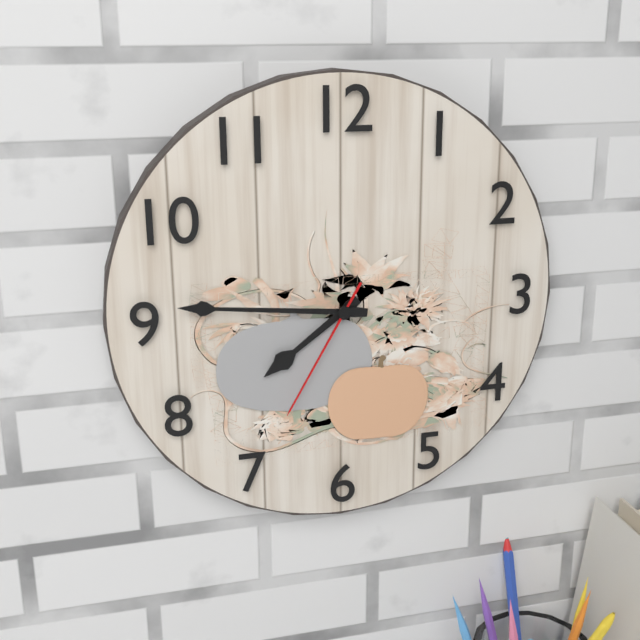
7:46:35
